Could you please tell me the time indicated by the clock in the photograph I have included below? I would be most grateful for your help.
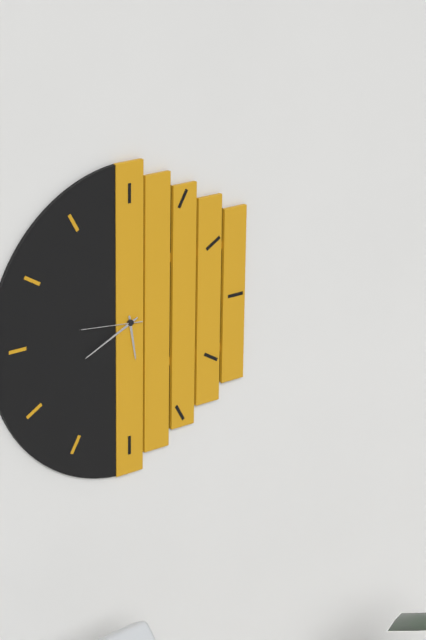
5:41:46
